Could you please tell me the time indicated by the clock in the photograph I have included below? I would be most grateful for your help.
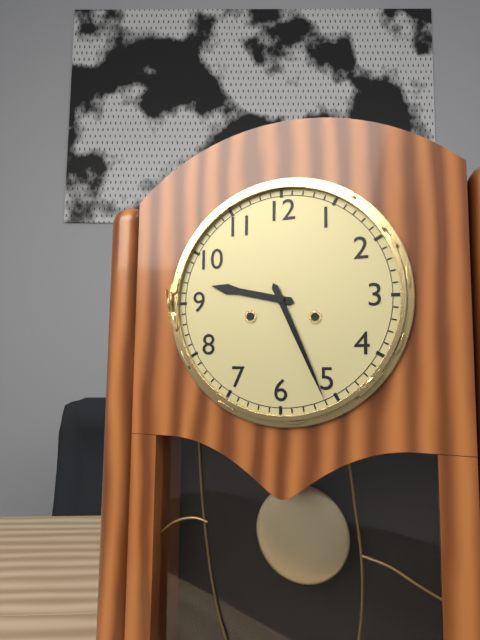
9:26
